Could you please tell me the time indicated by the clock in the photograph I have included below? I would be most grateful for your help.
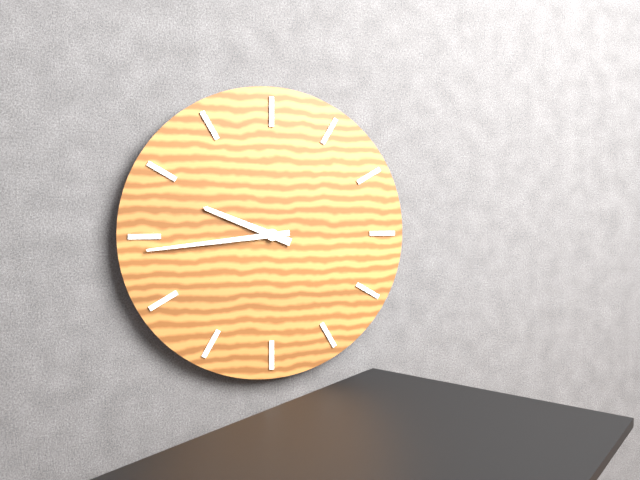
9:44
